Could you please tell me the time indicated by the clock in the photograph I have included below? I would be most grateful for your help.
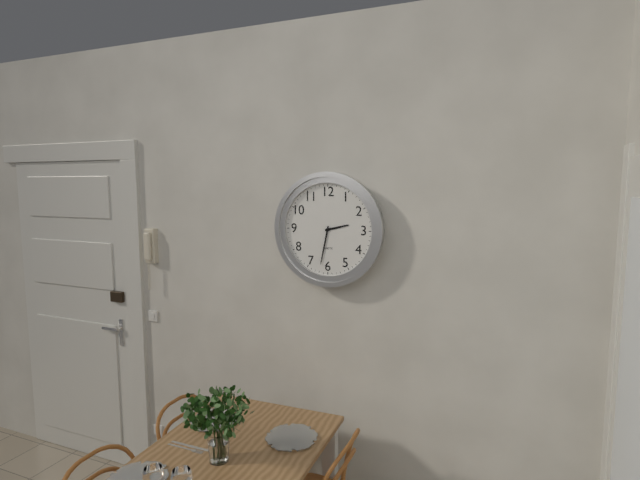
2:32
